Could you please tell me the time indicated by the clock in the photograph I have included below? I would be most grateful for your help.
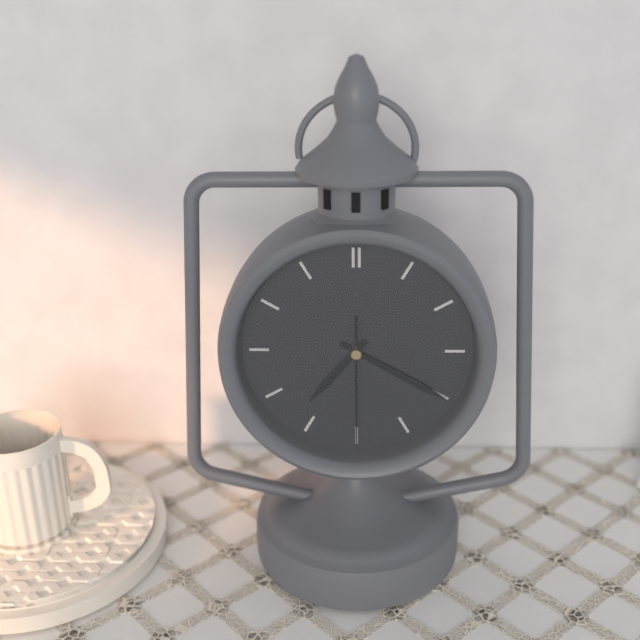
7:20:30
